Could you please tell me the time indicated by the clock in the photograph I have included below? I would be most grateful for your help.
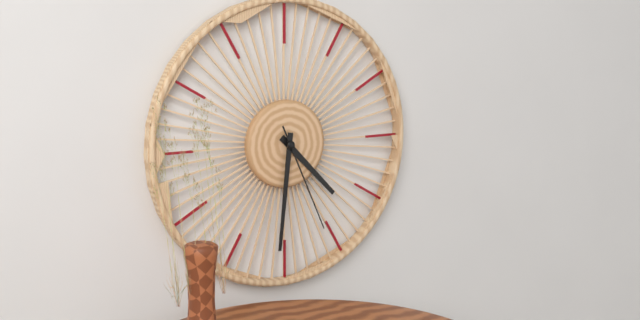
4:31:26
